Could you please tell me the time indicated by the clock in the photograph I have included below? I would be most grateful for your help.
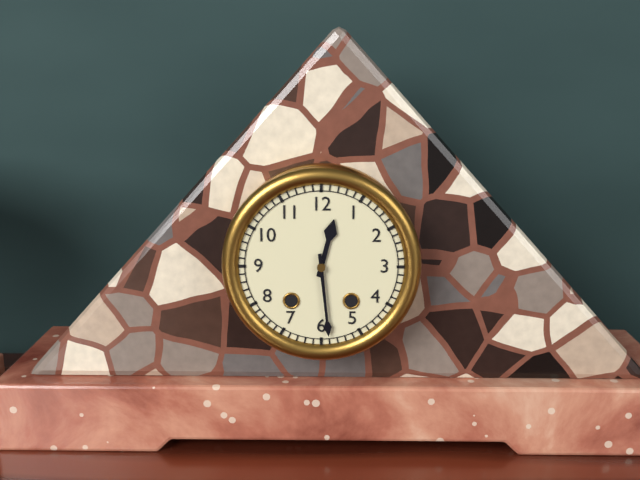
12:29
